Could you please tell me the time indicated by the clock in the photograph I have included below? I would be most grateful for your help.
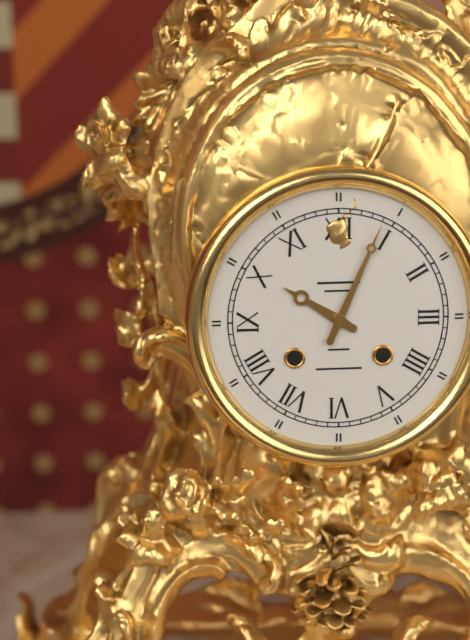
10:04
